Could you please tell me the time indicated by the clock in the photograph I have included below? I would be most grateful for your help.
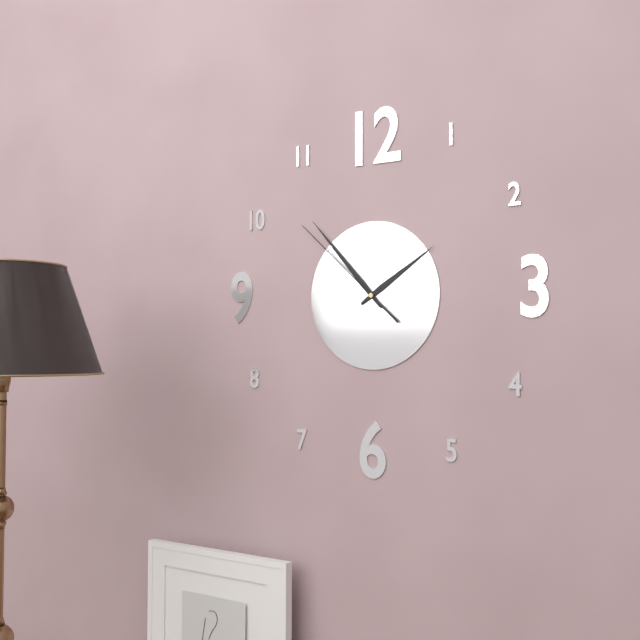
1:53:52
